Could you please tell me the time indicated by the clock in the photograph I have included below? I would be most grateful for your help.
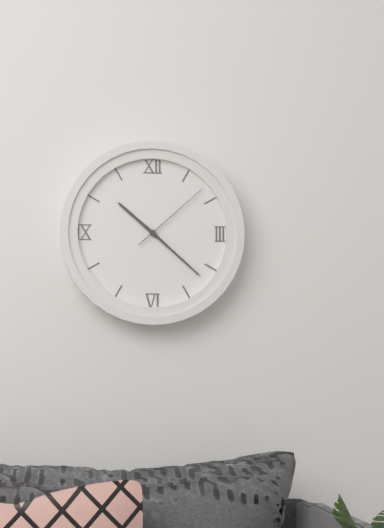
10:22:08
